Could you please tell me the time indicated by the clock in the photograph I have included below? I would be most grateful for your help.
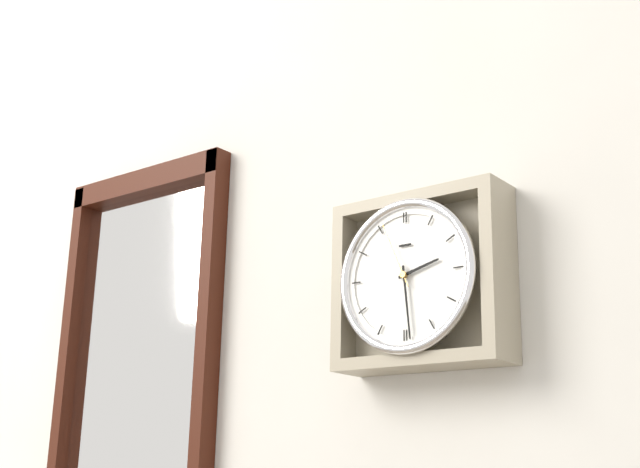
2:29:56
